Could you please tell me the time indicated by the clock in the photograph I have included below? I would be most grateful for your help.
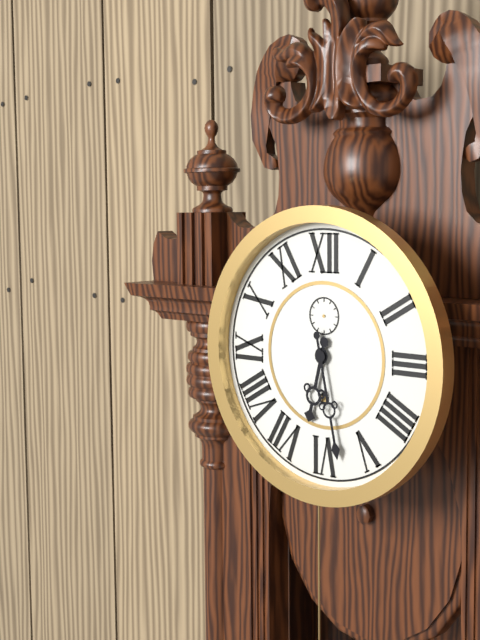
6:28
